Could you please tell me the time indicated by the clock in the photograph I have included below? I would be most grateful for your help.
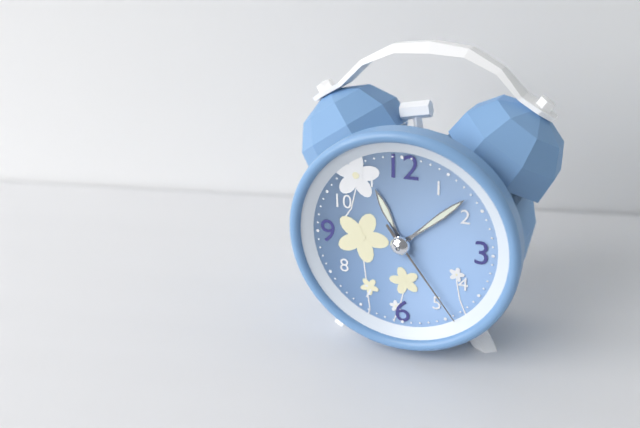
11:08:24
